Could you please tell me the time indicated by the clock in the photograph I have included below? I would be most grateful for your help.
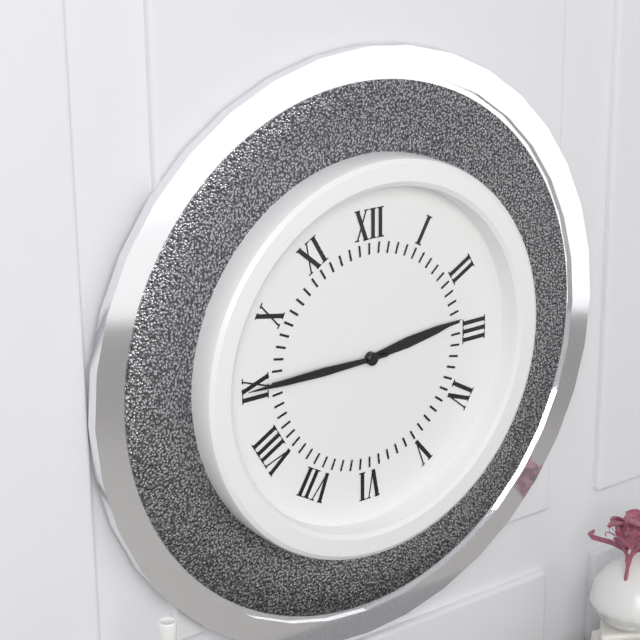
2:45
